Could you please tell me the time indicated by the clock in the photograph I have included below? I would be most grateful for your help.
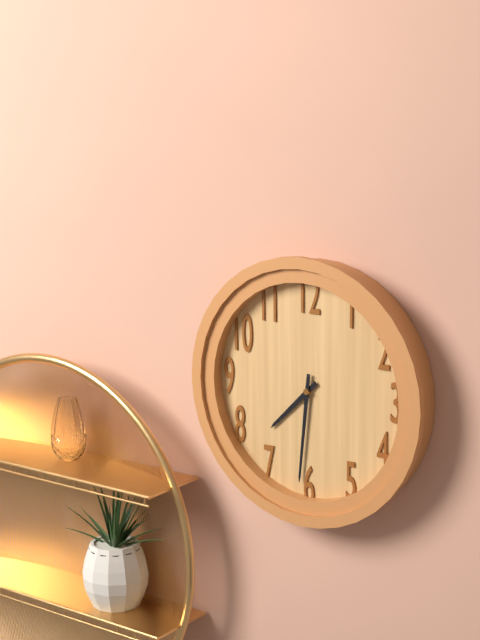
7:31
